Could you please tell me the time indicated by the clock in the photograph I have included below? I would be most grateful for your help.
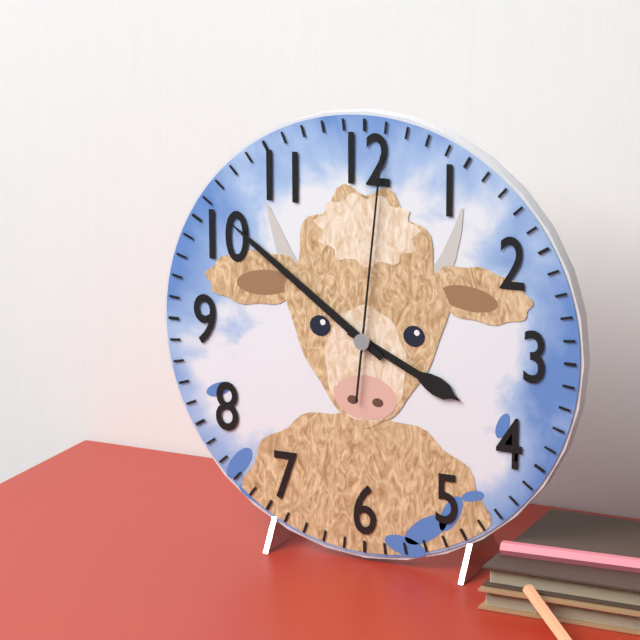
3:51:01
